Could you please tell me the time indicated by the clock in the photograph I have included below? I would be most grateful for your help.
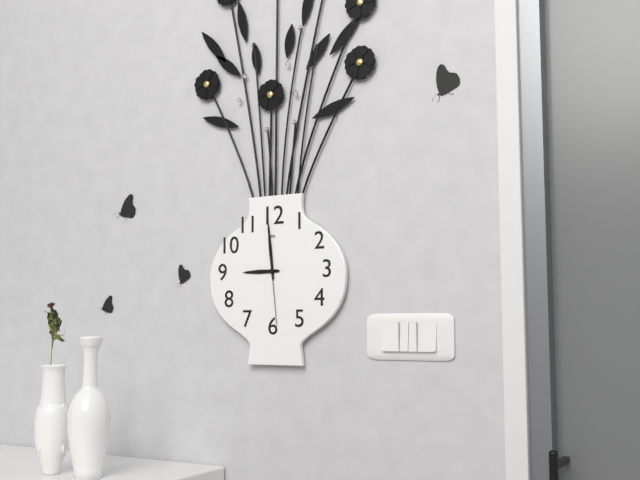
8:59:29
